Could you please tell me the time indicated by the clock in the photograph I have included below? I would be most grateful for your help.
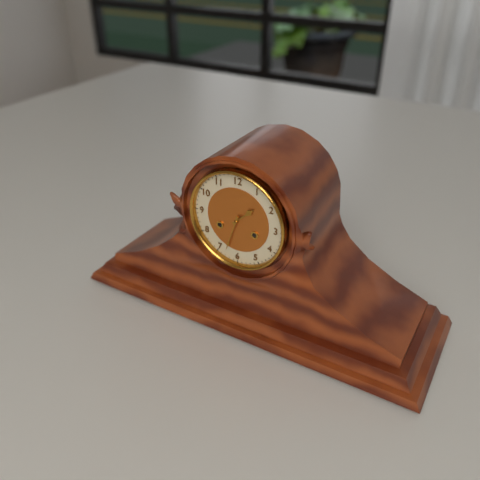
1:33
